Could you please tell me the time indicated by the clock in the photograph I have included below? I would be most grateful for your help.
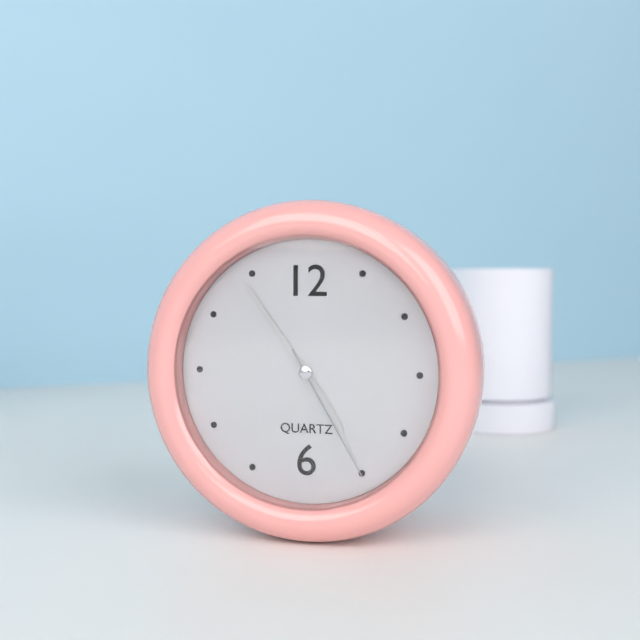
4:54:25
